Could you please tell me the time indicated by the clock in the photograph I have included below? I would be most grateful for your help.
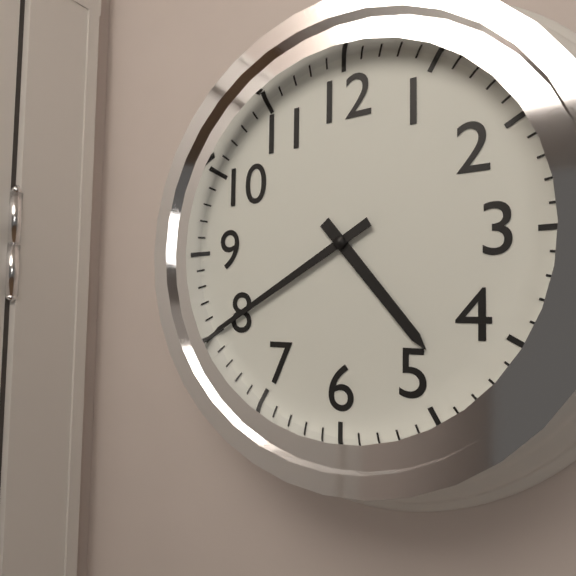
4:40
